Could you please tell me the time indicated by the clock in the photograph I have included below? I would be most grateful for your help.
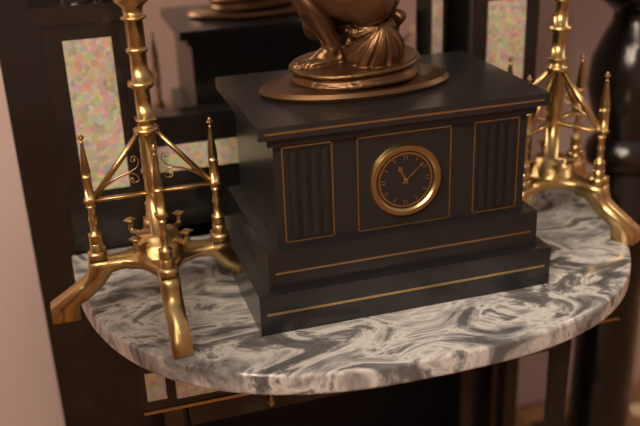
11:08
